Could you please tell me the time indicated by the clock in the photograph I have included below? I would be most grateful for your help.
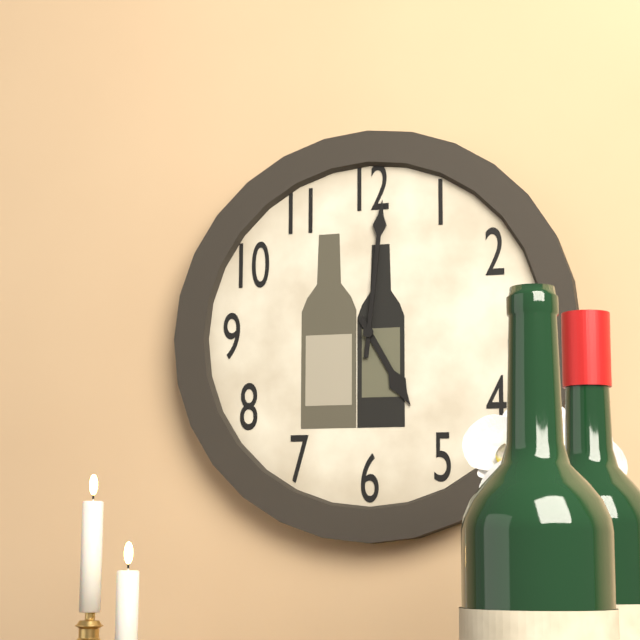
5:01
